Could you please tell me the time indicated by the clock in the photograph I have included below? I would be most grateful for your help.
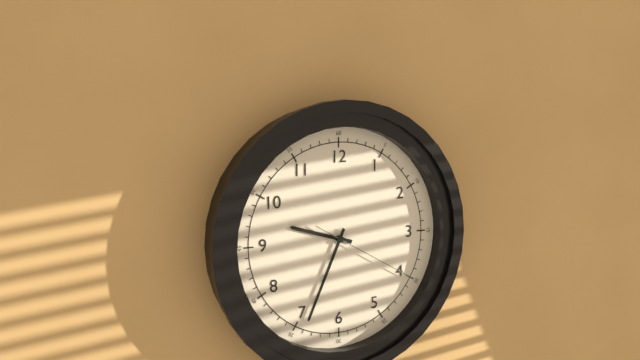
9:34:20
